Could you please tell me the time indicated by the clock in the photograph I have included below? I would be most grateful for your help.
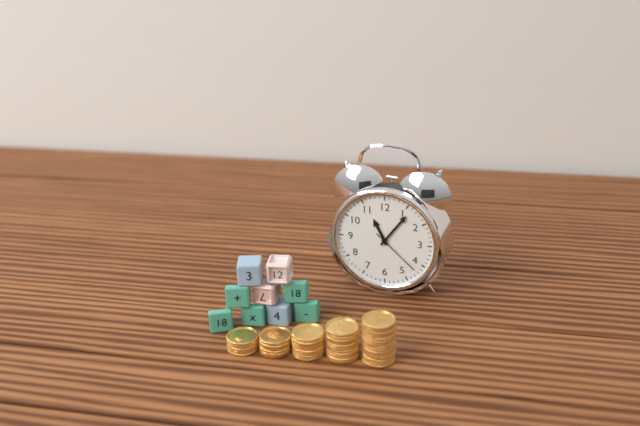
11:06:22
